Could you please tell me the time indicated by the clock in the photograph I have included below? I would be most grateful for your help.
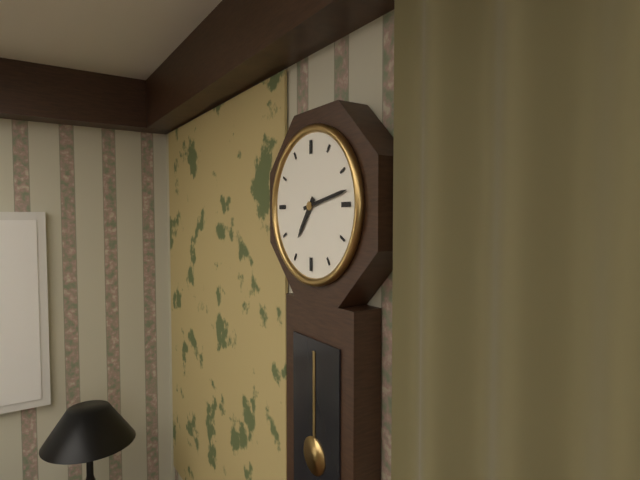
7:13
